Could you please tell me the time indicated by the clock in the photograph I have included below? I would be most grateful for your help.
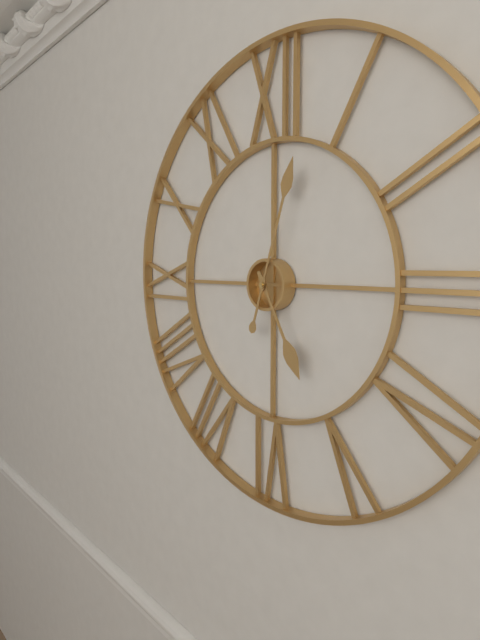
5:03
